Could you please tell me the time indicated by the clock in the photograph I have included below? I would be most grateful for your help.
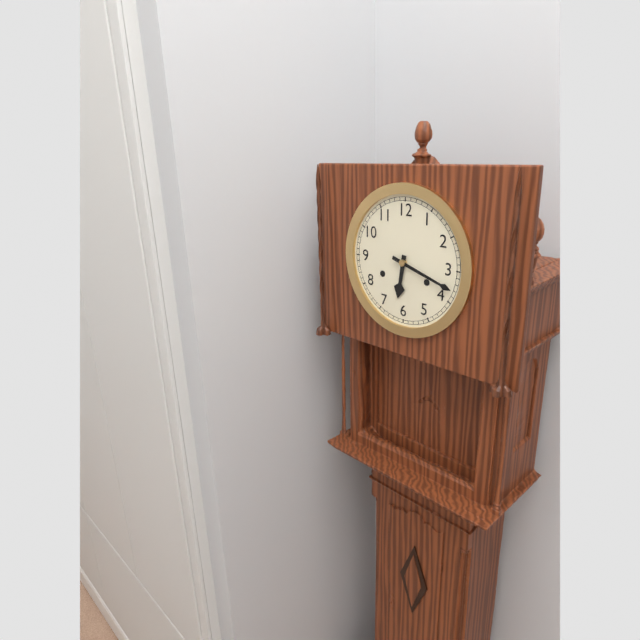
6:18
